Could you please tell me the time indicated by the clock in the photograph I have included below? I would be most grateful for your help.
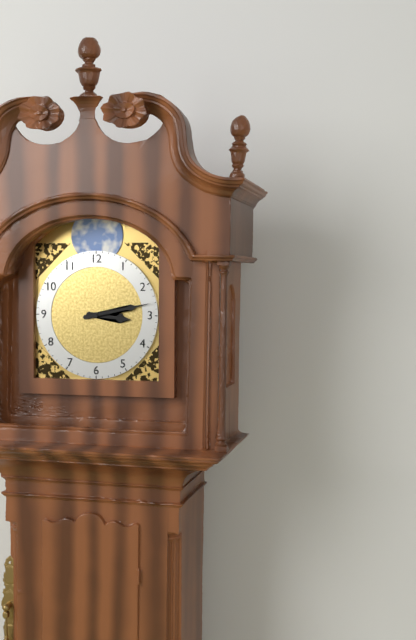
3:13
